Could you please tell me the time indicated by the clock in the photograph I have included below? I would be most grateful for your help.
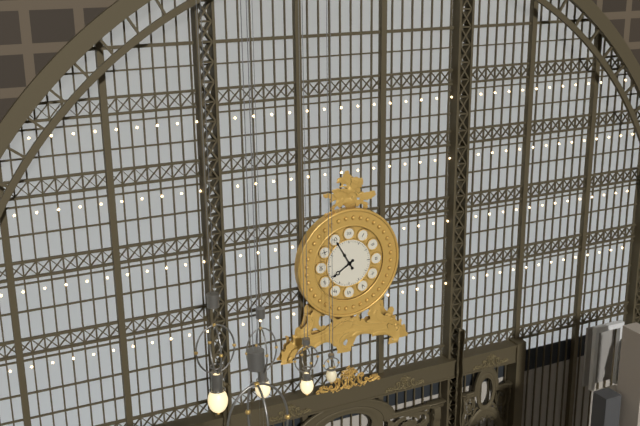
7:55
